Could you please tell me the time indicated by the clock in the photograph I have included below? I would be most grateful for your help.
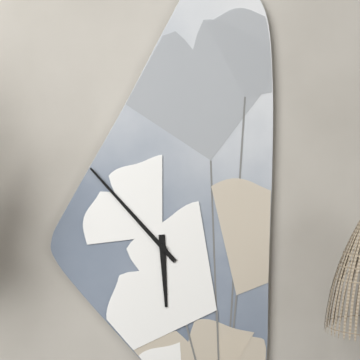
5:53
